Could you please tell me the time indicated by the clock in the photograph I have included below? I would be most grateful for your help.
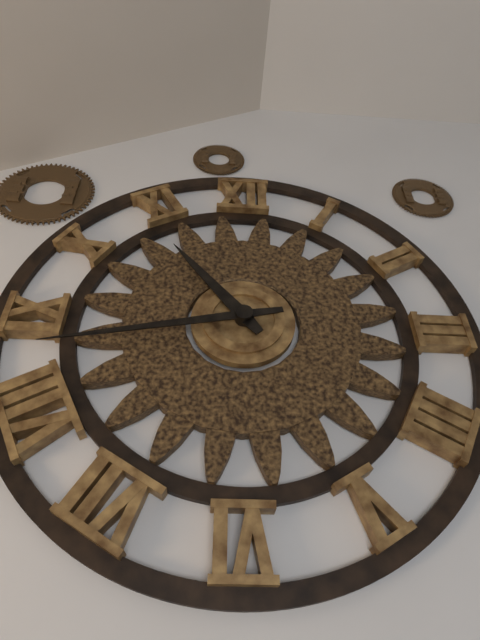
10:43
